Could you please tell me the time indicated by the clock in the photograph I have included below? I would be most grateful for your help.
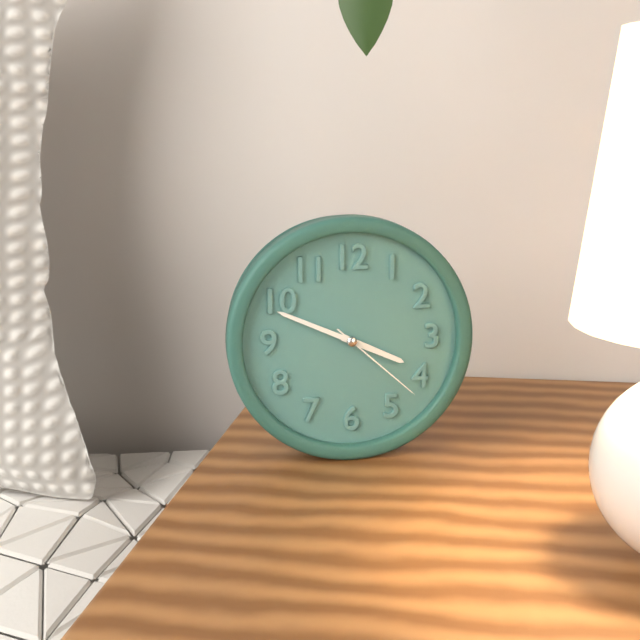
3:49:22
